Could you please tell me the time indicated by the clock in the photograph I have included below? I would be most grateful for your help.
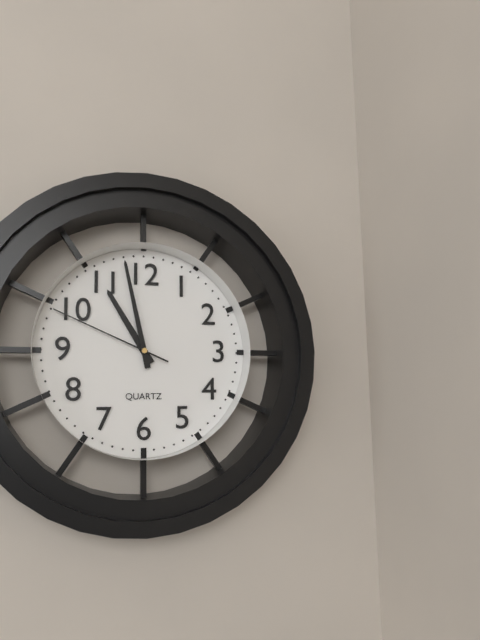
10:58:49
